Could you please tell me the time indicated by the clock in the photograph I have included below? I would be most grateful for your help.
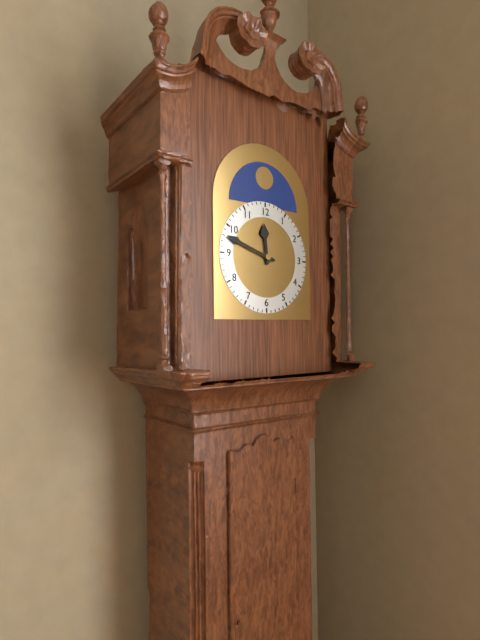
11:48
